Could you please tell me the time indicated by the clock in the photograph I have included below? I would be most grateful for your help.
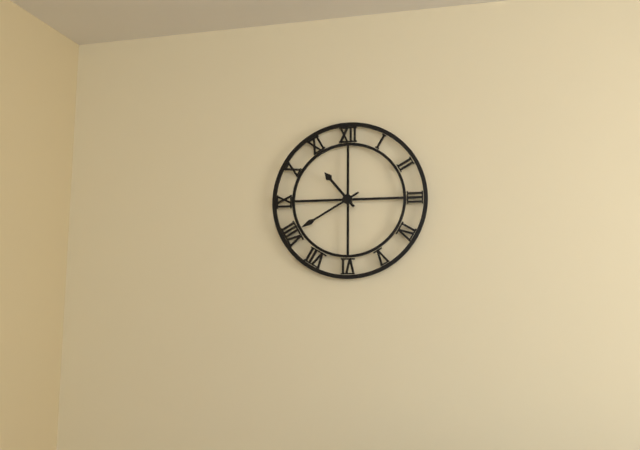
10:40
